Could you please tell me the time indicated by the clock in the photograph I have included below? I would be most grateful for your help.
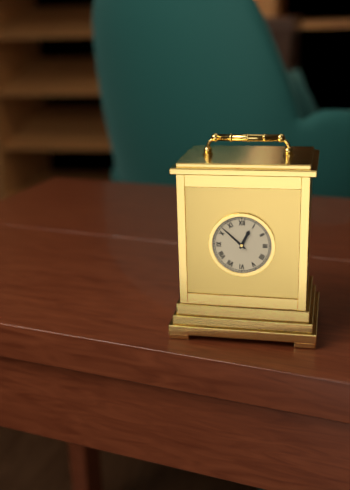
12:52
